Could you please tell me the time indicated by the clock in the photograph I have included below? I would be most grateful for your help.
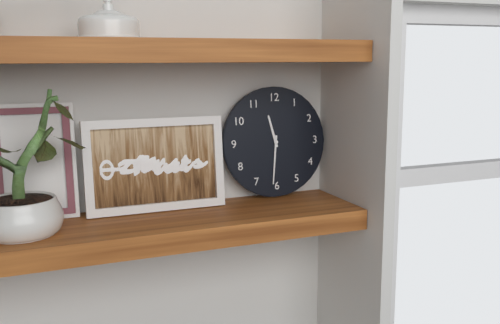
11:31
